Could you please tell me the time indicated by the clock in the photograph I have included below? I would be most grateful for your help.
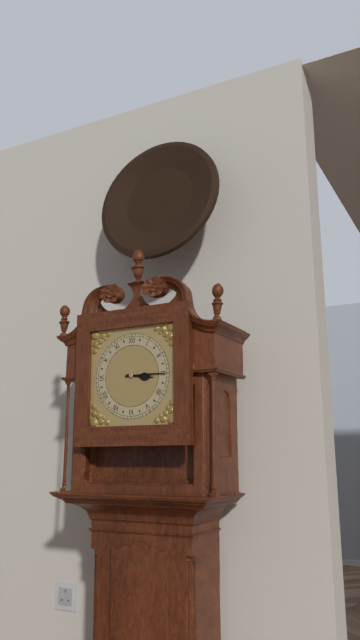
3:15
